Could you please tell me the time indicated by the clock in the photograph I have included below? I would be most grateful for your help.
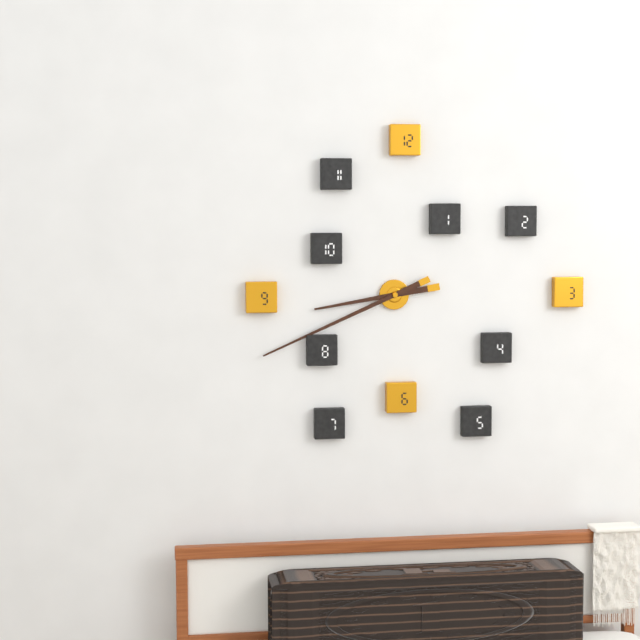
8:41
